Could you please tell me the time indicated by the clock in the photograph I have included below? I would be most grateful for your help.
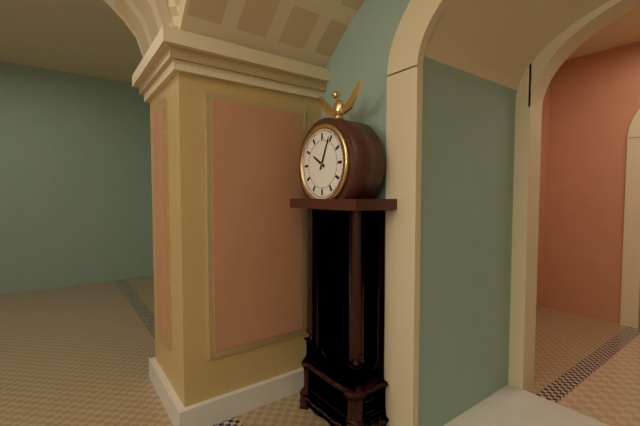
10:04
